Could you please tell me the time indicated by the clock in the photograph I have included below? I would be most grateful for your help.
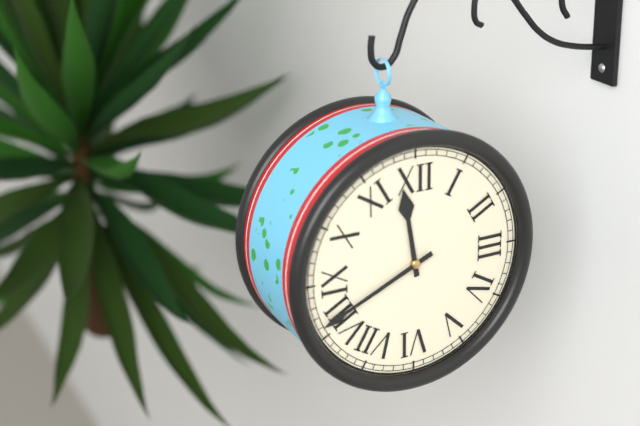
11:41
